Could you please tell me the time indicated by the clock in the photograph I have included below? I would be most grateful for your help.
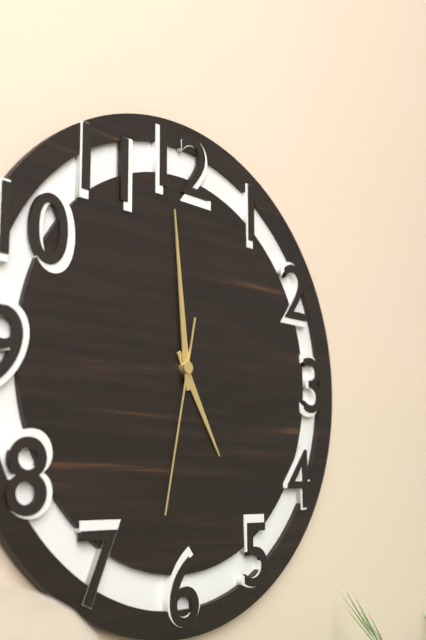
4:59:32
